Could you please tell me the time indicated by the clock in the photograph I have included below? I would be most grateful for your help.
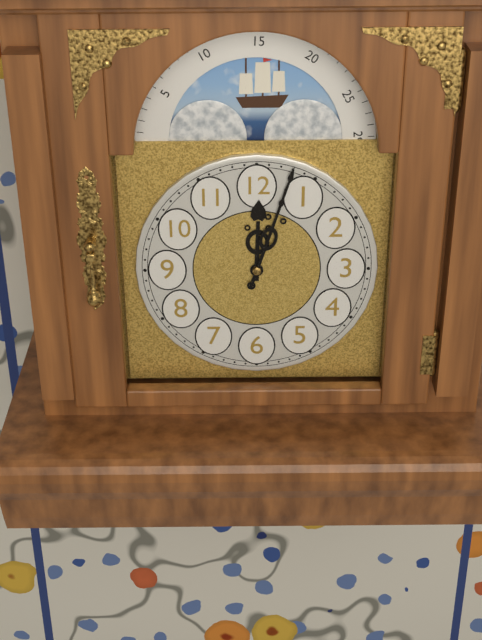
12:03
